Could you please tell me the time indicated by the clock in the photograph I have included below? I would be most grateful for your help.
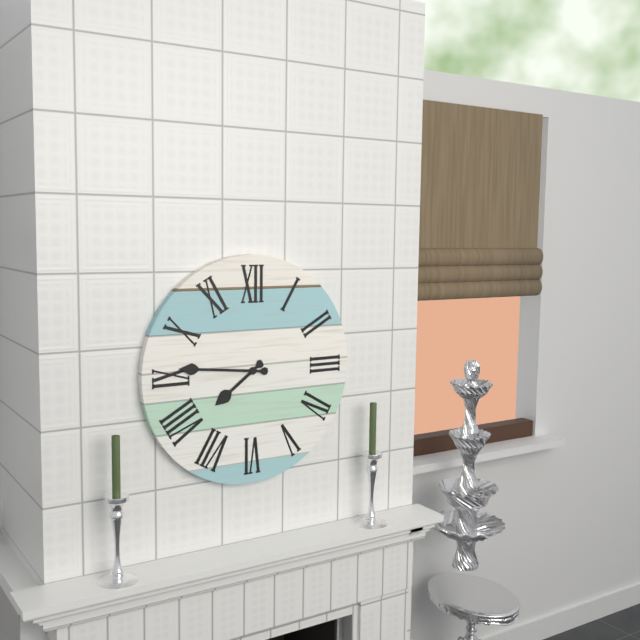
7:46
